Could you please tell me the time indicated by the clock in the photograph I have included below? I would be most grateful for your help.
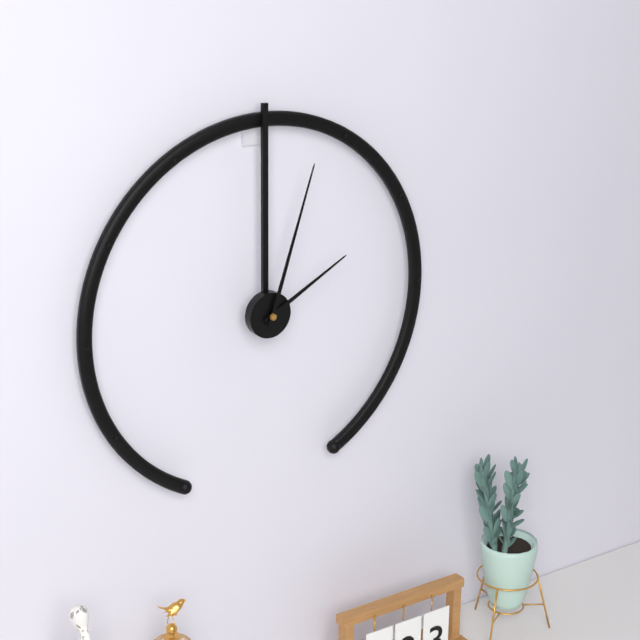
2:03
